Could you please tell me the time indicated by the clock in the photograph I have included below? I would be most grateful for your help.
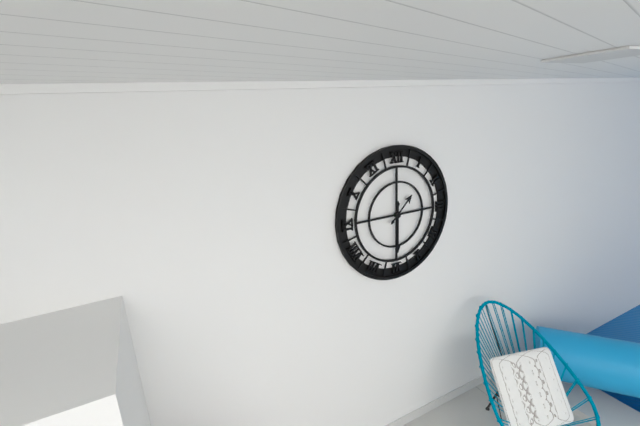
1:30
